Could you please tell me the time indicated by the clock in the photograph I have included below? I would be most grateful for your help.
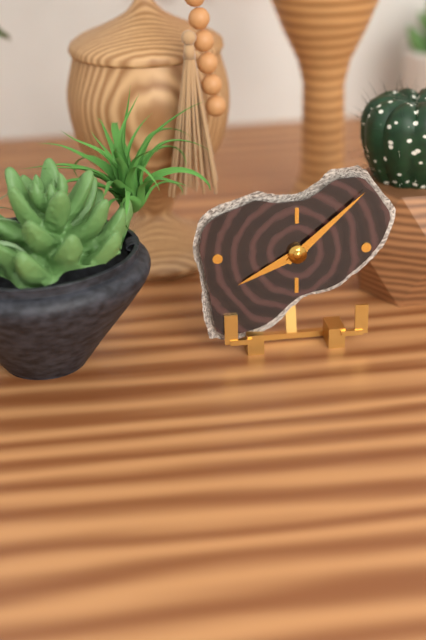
8:08
